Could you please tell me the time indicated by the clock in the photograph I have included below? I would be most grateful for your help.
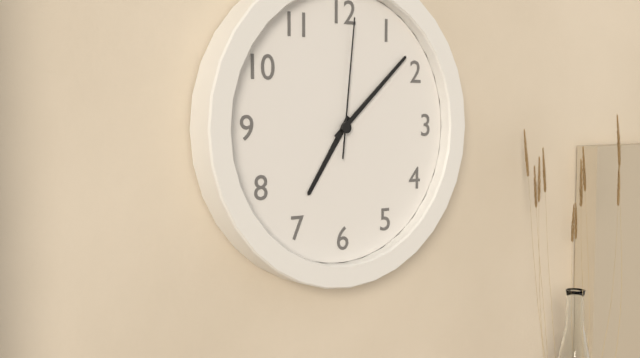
7:08:01
